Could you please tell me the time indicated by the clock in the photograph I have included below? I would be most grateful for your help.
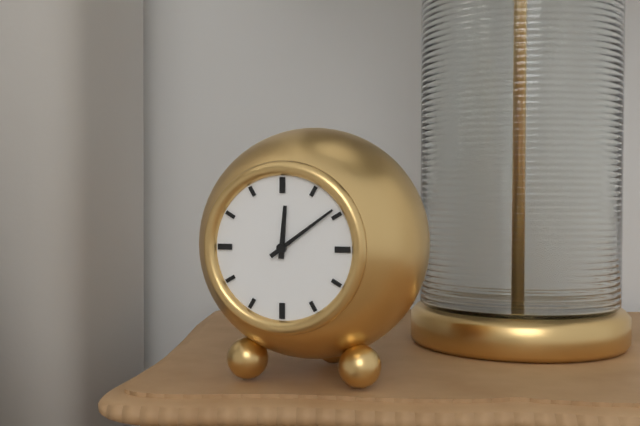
12:09
